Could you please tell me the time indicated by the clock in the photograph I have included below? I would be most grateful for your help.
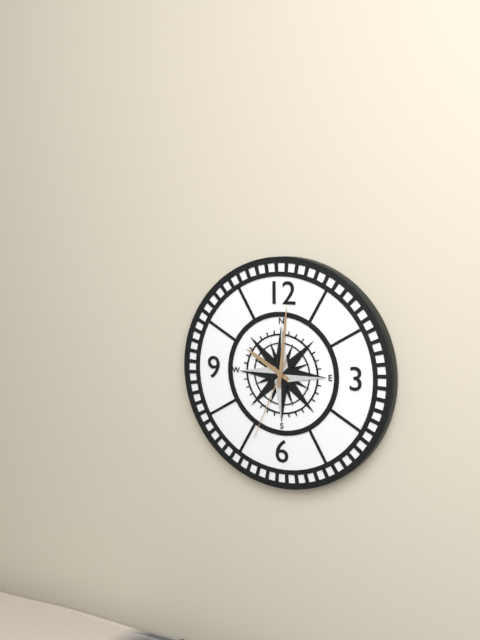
10:01:34
